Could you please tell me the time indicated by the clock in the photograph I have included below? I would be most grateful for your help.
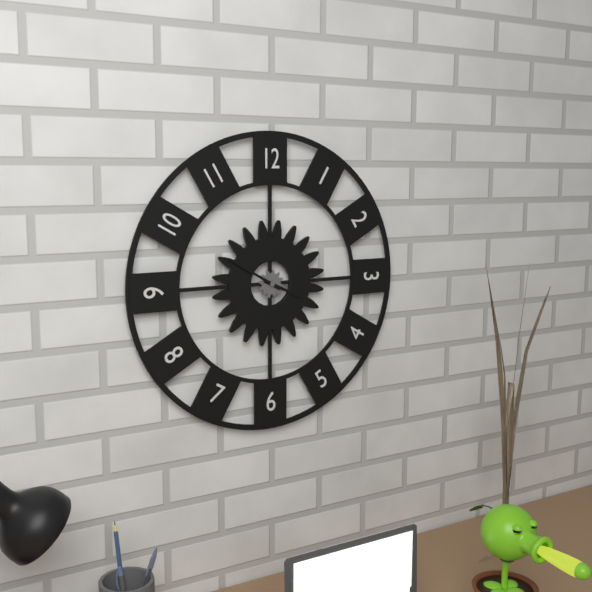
3:50
